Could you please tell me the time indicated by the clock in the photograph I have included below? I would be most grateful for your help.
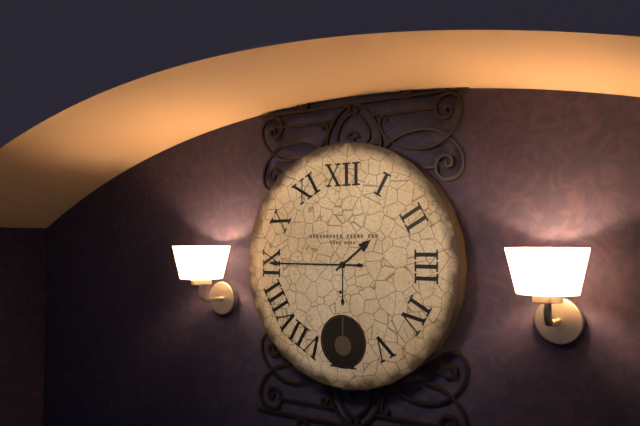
1:45
